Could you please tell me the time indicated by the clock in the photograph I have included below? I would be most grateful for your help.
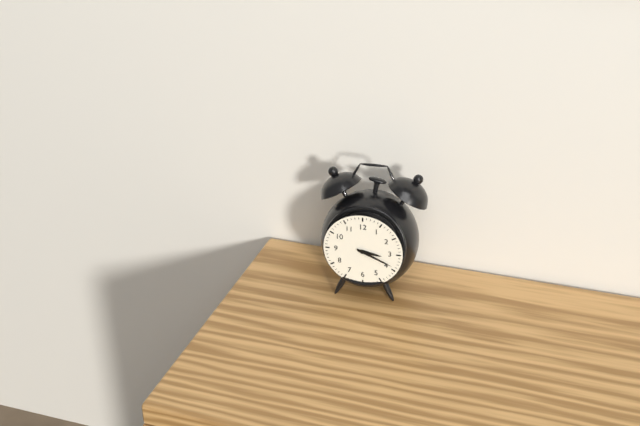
3:19
